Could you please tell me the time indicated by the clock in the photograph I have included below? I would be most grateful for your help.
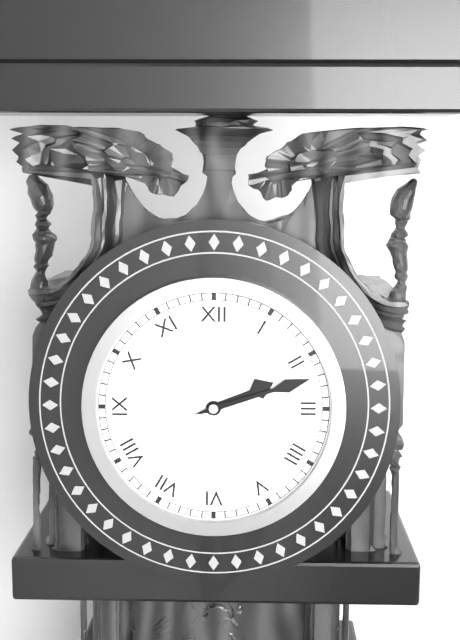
2:12
